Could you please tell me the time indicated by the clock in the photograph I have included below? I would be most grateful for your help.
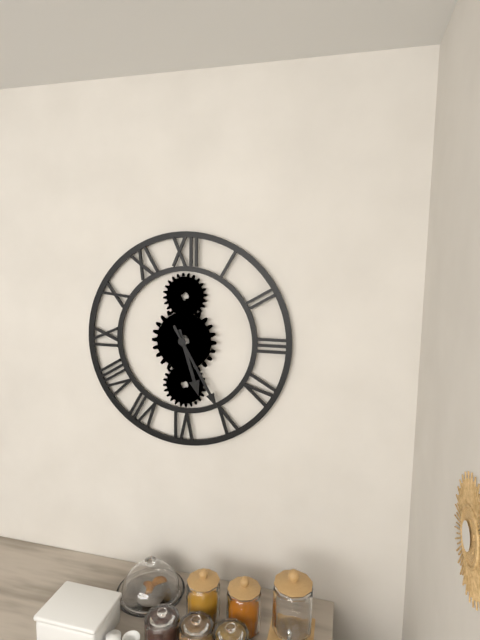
5:25
